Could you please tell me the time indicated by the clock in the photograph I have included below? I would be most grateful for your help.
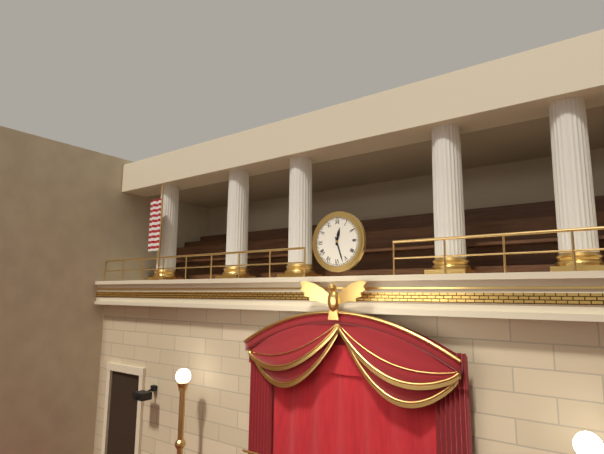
12:27
